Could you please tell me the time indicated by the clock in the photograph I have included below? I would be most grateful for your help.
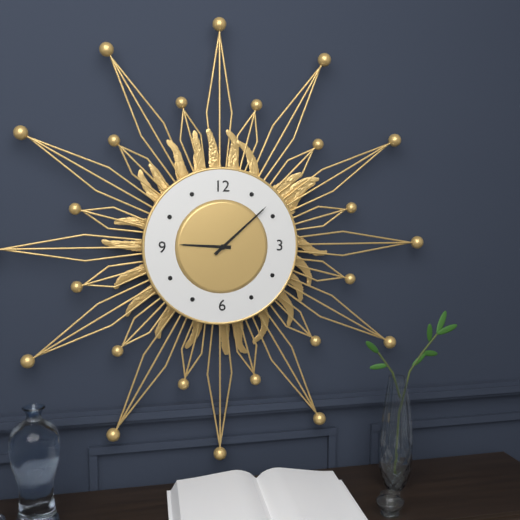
9:08
